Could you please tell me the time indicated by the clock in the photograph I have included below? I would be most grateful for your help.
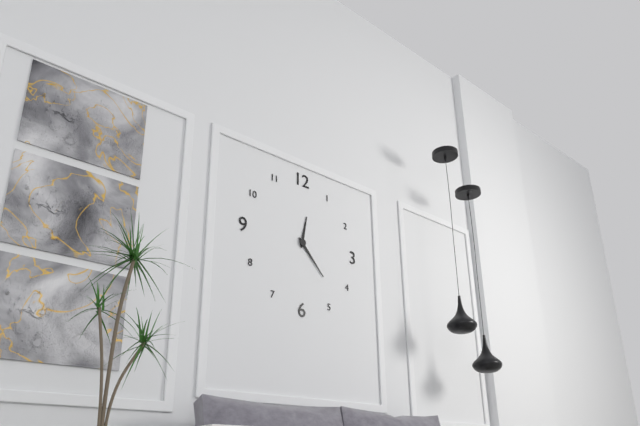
12:23
